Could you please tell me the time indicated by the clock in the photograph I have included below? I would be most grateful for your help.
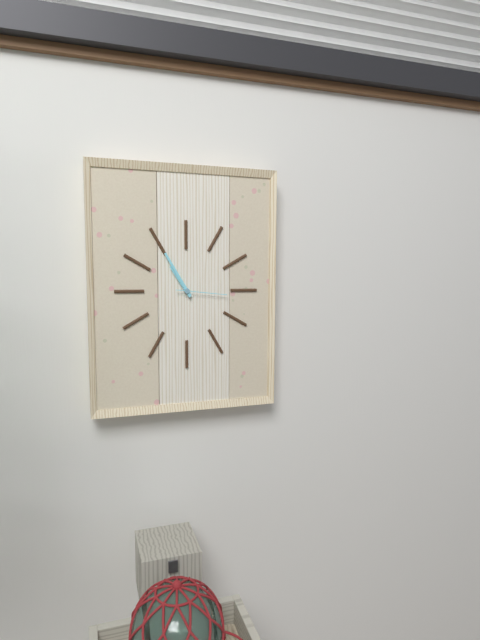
10:55:16
